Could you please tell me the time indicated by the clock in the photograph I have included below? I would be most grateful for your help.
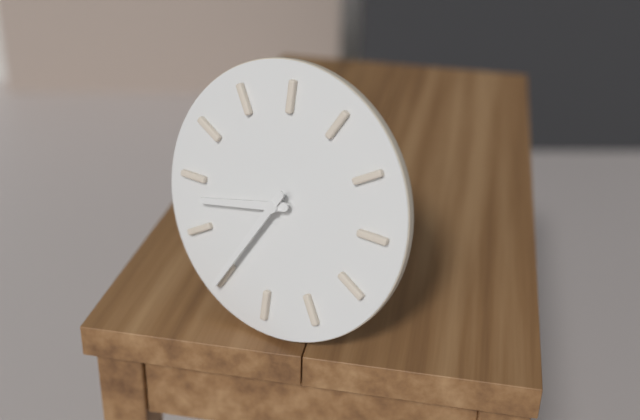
8:35
